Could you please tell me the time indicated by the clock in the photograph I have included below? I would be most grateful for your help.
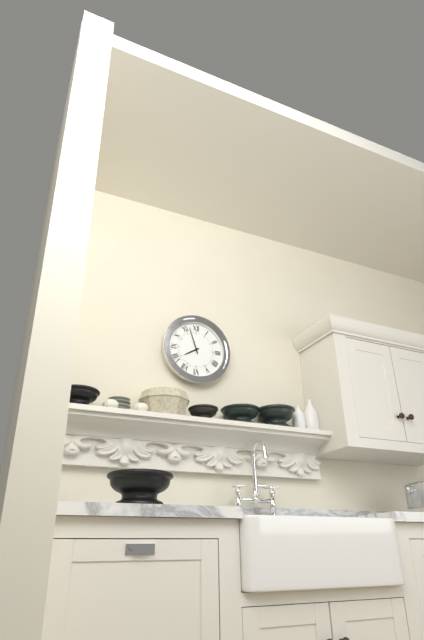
7:57
